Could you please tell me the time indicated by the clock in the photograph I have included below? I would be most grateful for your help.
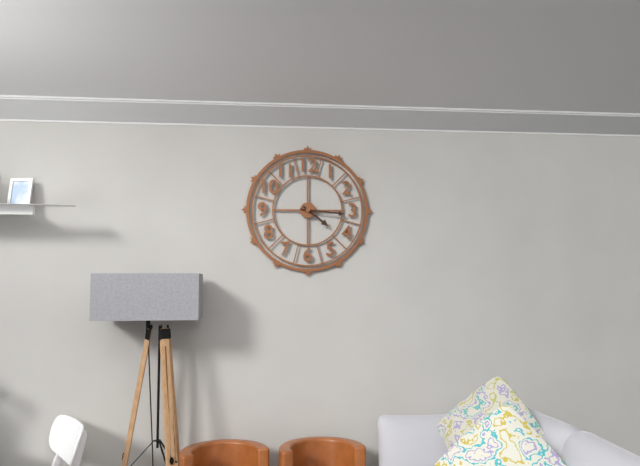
4:16
